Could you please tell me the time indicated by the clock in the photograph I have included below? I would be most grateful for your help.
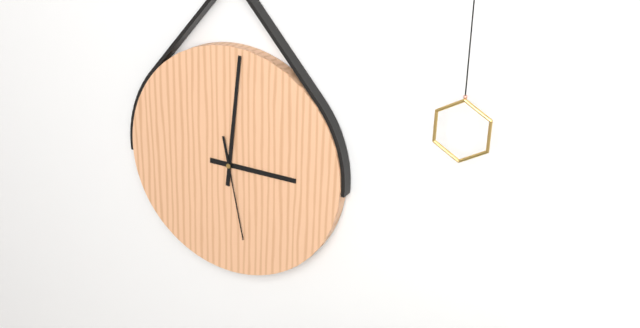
3:01:28
